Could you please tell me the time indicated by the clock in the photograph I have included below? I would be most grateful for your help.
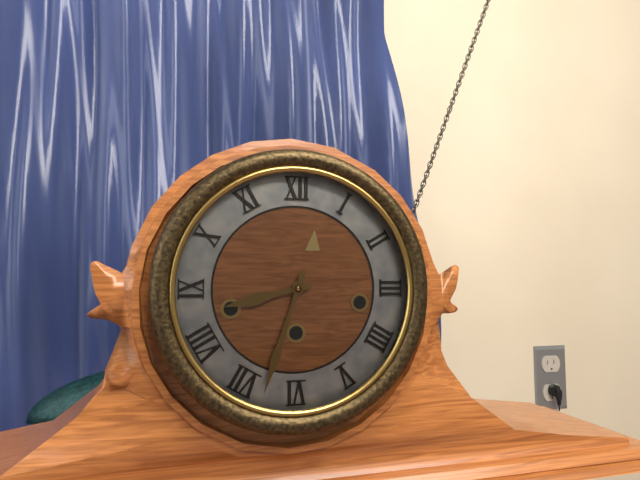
8:33
